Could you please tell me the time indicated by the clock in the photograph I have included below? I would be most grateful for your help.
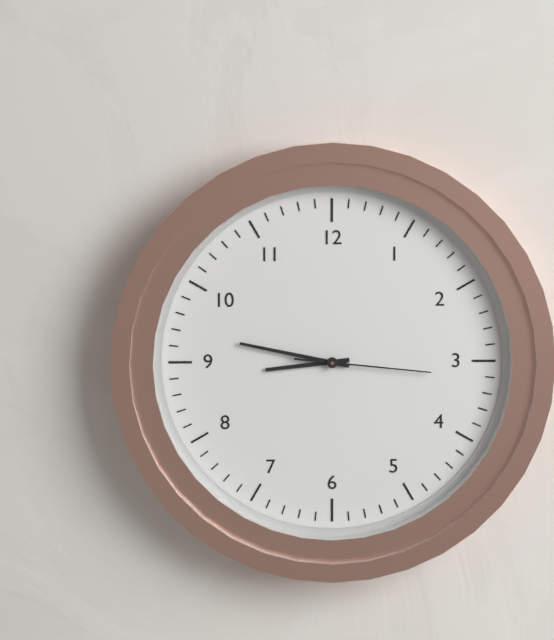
8:47:16
